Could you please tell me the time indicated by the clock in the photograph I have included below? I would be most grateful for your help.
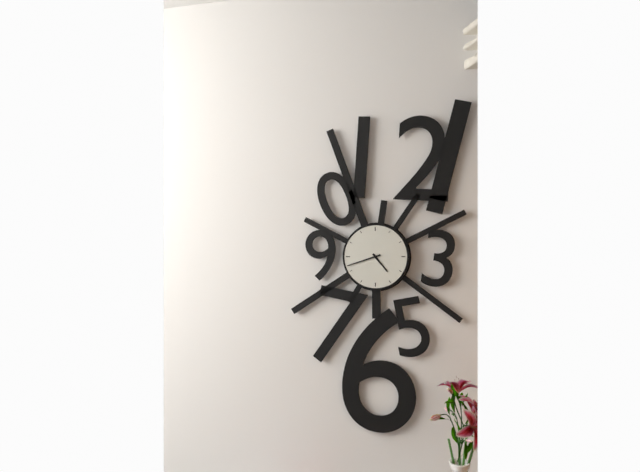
4:42
